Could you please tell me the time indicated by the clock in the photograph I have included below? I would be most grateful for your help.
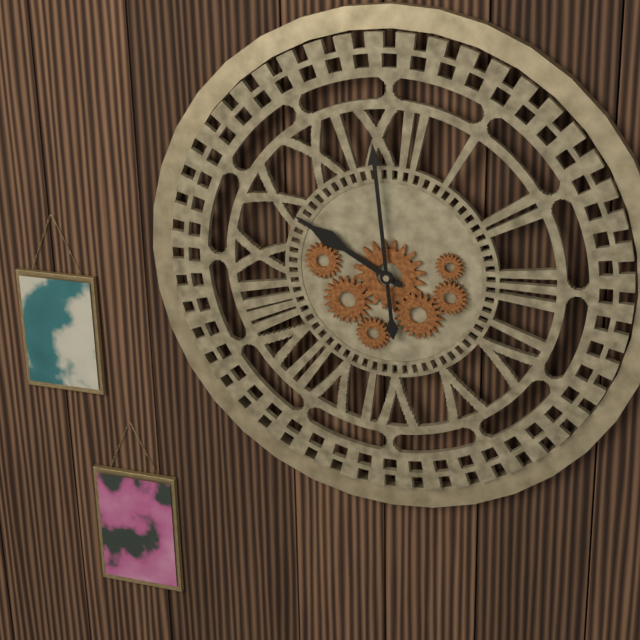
9:59
